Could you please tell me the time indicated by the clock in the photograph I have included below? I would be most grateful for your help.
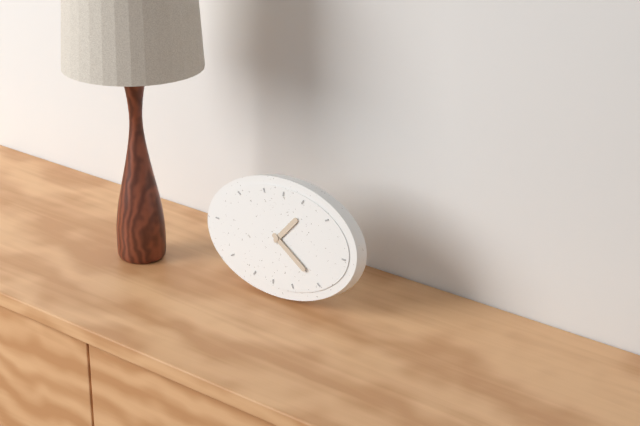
1:20
